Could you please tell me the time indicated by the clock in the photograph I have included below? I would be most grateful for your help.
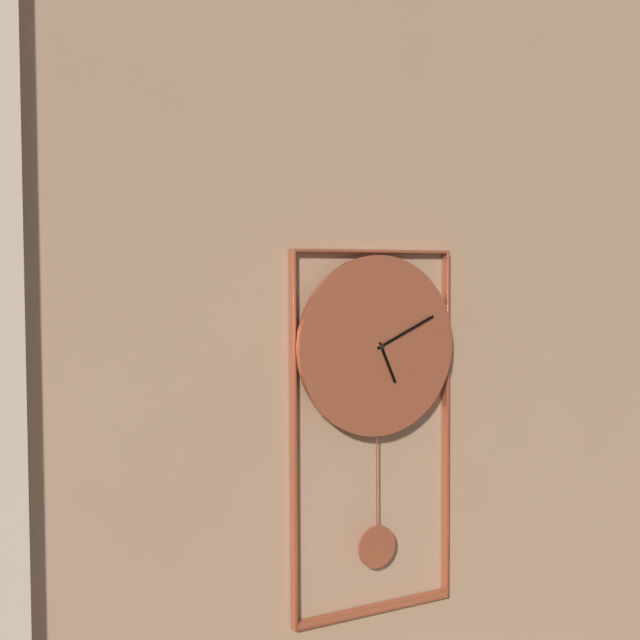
5:11
